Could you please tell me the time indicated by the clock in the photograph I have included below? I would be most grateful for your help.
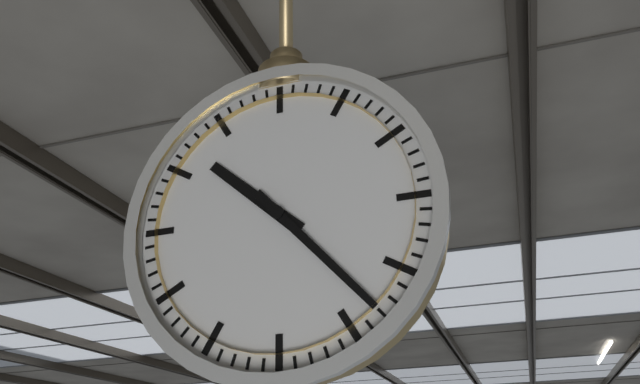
10:23
